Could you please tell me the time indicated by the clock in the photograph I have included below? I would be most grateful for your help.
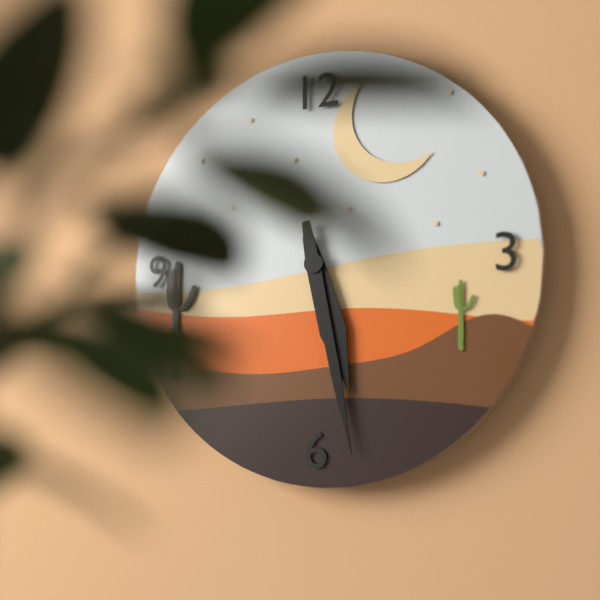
5:28
